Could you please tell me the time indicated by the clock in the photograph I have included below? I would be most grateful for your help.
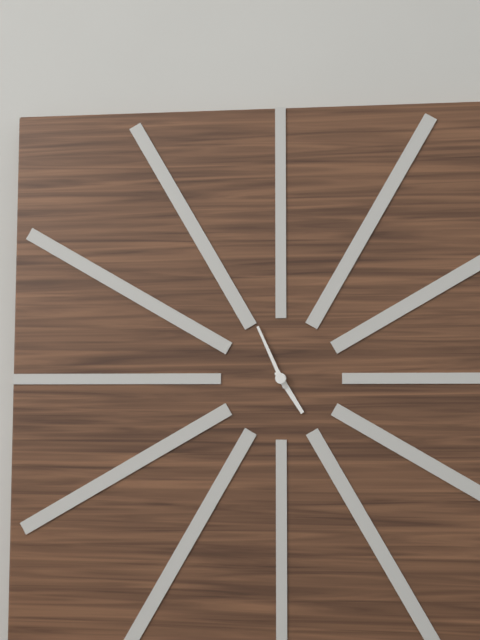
4:56
